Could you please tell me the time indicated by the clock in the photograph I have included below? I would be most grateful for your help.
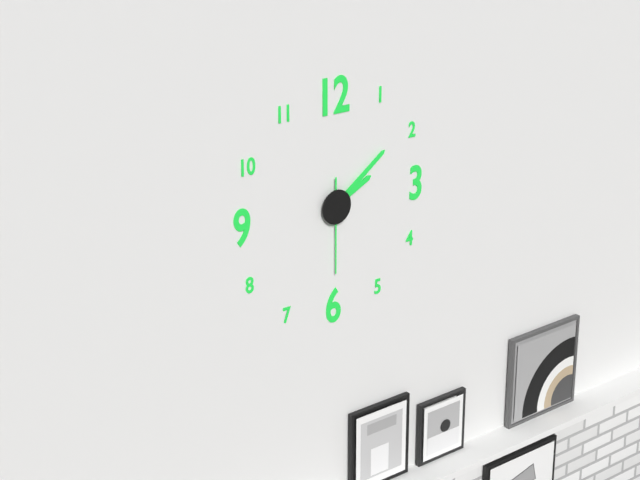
2:09:30
